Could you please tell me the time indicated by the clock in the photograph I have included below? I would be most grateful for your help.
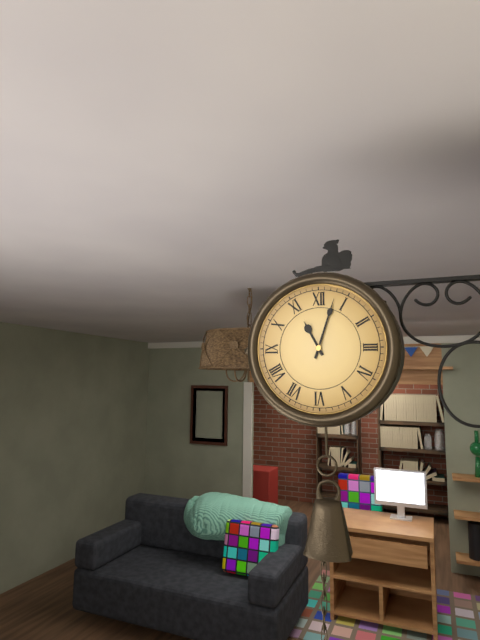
11:03
